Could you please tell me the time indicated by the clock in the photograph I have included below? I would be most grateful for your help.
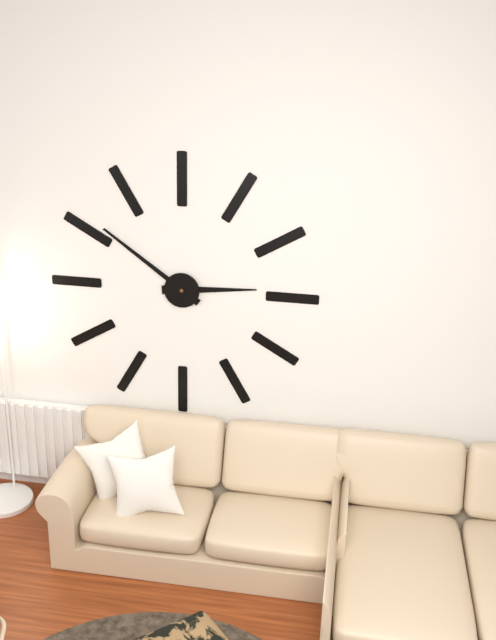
2:51
